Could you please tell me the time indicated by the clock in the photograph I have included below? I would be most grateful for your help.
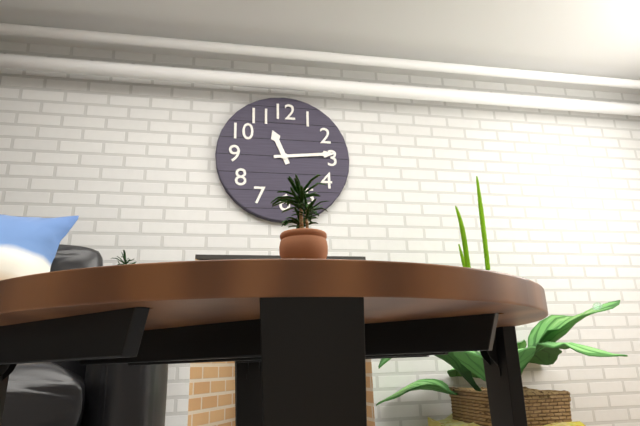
11:14
